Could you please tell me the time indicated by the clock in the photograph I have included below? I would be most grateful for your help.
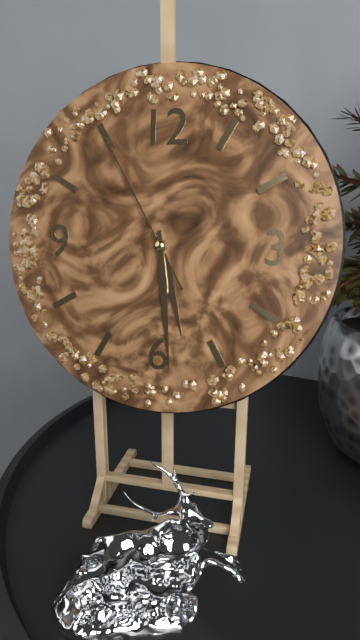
5:29:55
